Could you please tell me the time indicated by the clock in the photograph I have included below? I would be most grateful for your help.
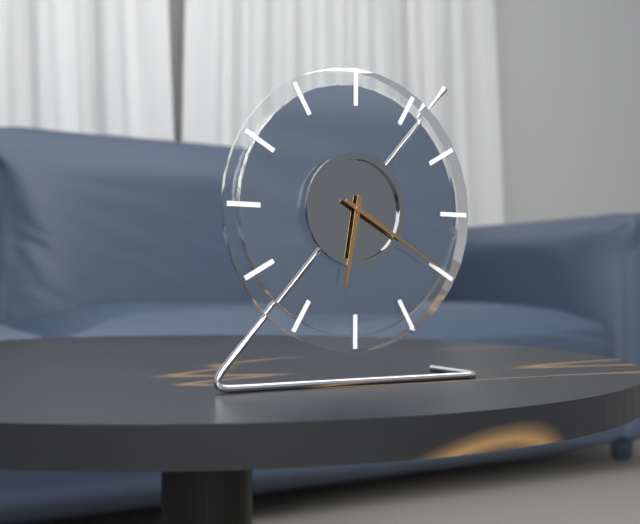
6:20
